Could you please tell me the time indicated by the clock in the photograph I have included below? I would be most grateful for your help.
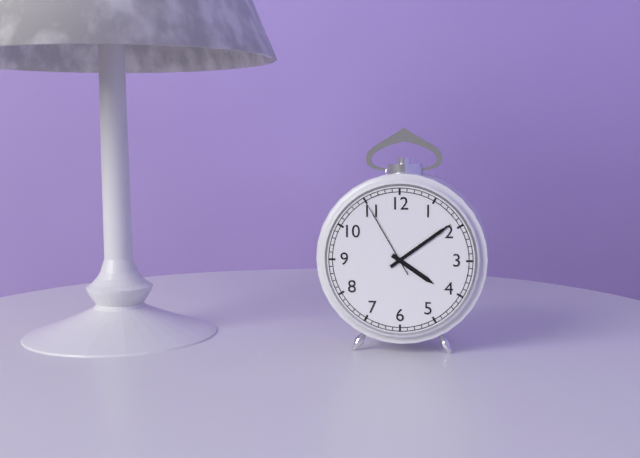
4:09:55
